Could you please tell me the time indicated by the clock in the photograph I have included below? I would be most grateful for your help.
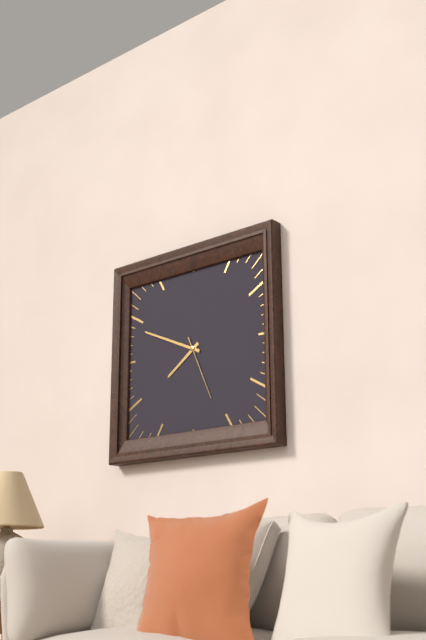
7:49:26
